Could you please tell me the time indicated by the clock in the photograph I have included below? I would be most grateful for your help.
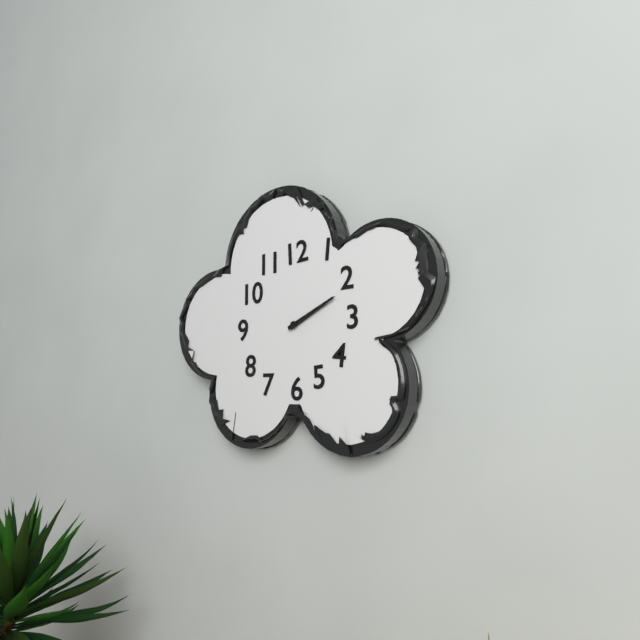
2:11
